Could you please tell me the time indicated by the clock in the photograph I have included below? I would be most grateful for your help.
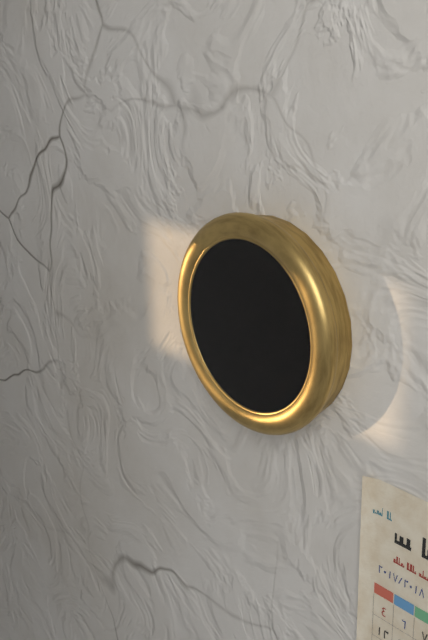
2:50:31
